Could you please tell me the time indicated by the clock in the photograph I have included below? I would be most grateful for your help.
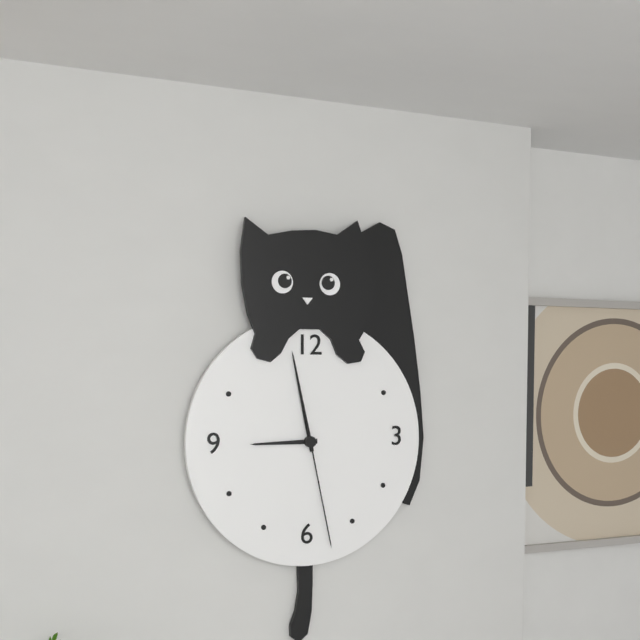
8:58:28
